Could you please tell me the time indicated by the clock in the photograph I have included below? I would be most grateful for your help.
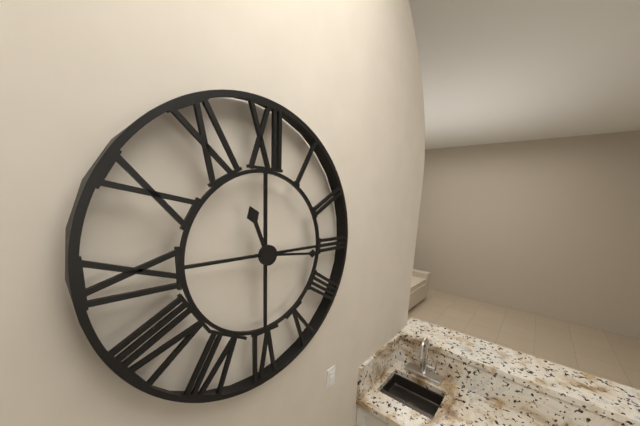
11:16
